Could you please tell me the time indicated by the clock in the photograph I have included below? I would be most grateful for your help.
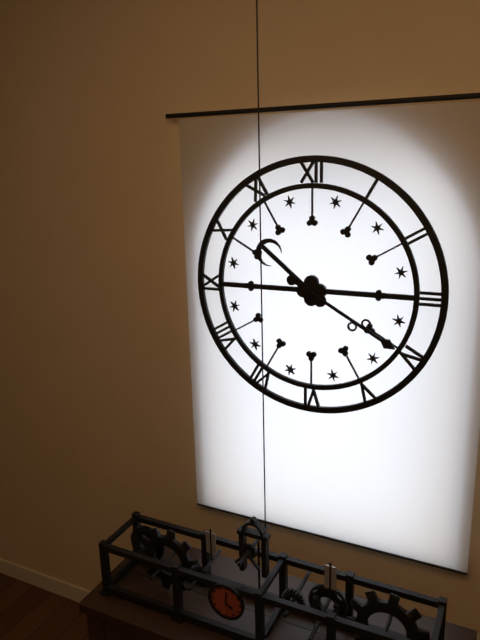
10:20
